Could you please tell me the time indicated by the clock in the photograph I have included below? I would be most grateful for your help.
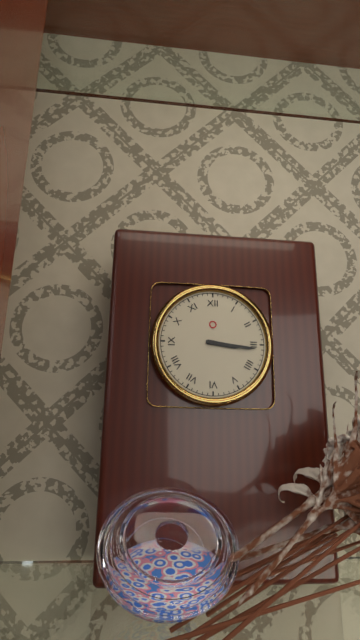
3:16
